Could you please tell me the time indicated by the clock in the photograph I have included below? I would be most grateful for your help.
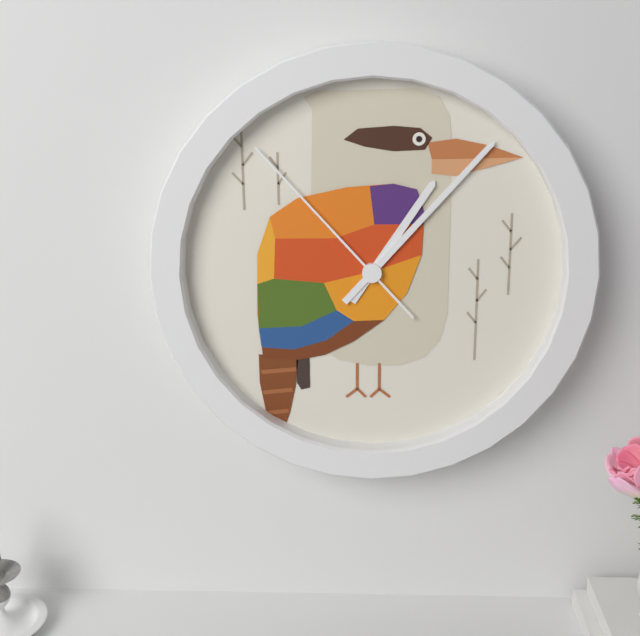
1:07:53
